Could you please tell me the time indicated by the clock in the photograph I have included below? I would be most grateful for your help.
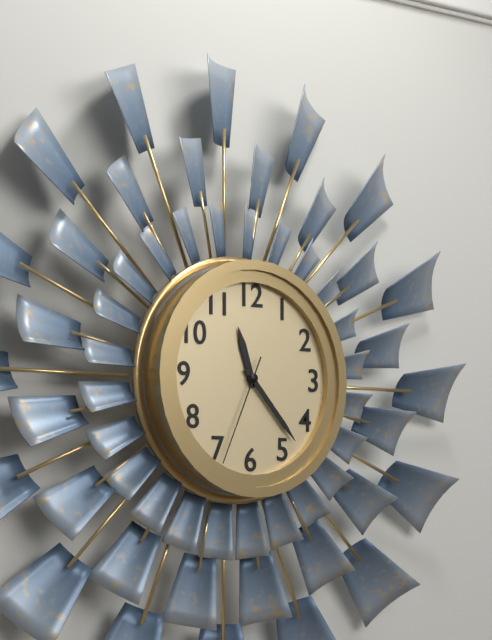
11:23:34
